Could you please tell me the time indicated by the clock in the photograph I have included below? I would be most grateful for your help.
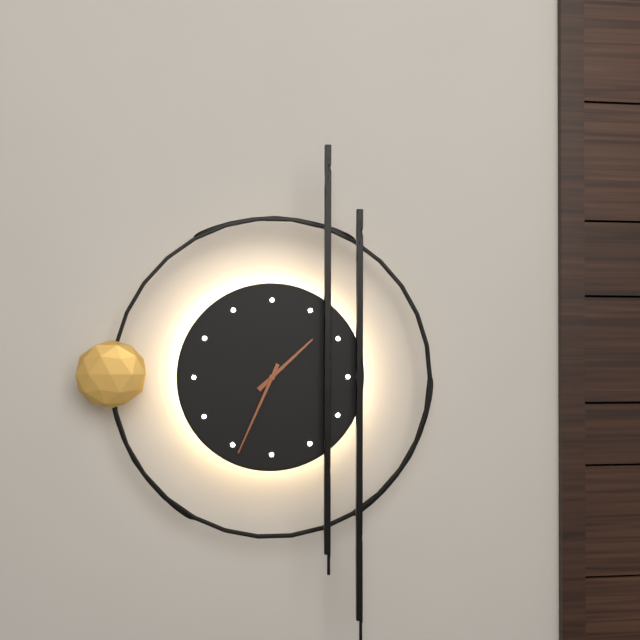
1:34
